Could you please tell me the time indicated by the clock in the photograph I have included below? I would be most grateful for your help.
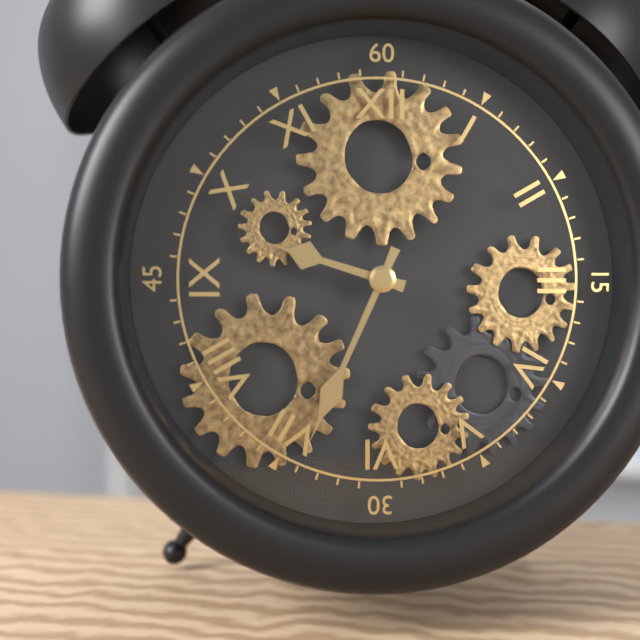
9:34
